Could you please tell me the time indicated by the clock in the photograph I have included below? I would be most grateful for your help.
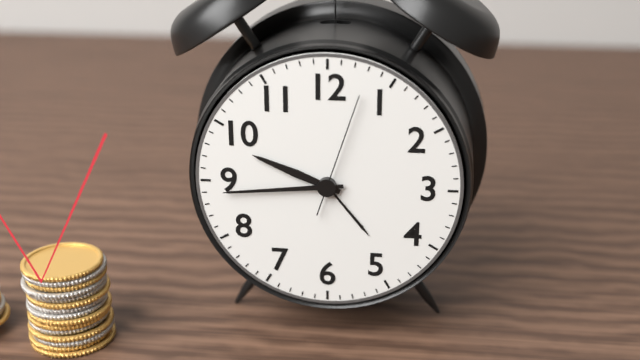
9:44:03
